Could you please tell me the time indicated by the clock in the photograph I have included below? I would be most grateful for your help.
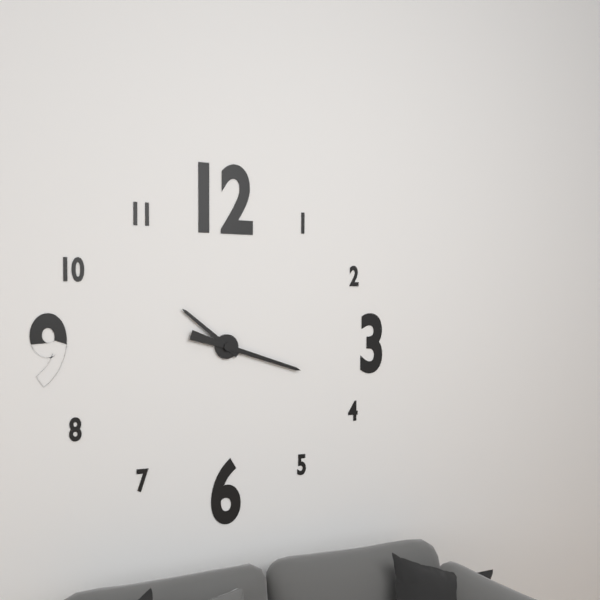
10:18
